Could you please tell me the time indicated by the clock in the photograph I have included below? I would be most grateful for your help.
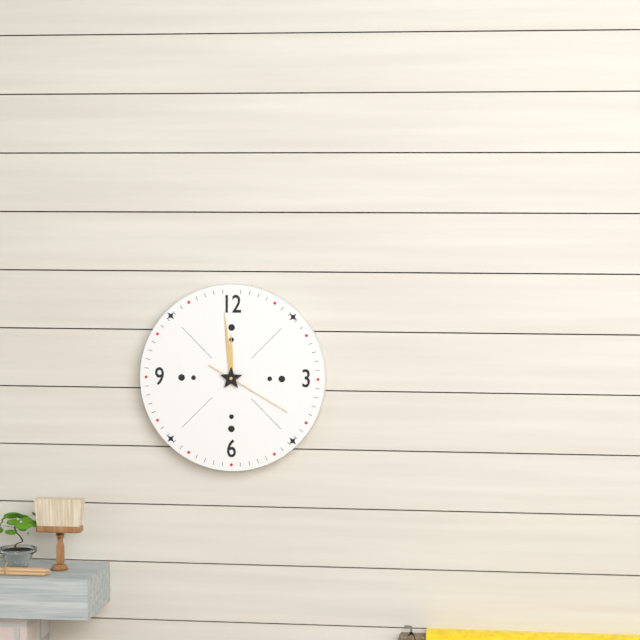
11:59:20
